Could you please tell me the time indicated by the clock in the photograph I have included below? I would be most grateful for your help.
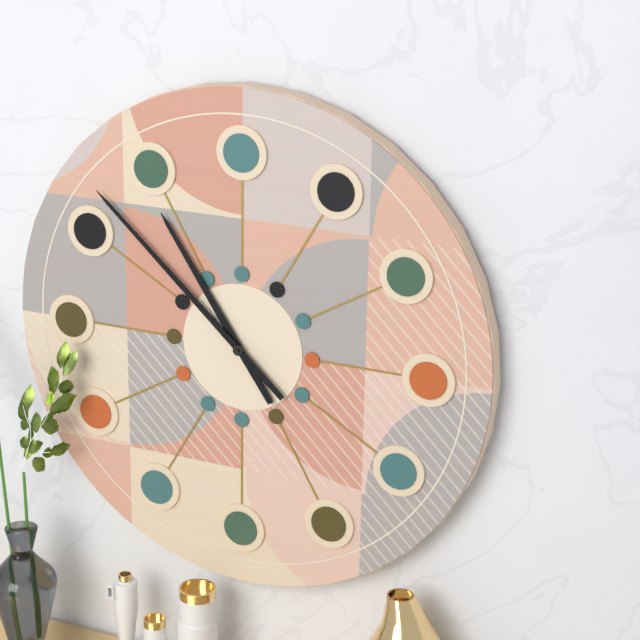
10:52
